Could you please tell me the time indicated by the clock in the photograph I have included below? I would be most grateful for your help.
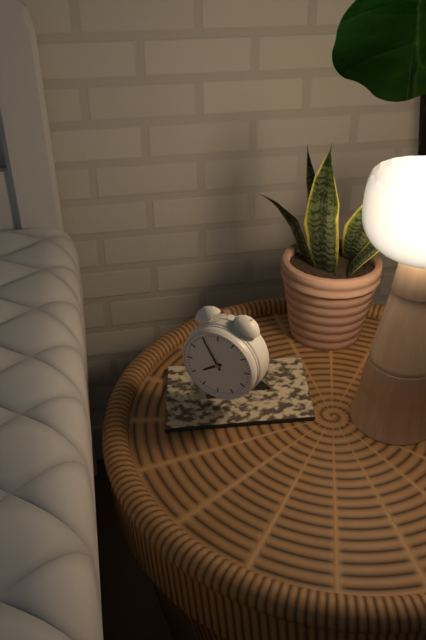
7:55
